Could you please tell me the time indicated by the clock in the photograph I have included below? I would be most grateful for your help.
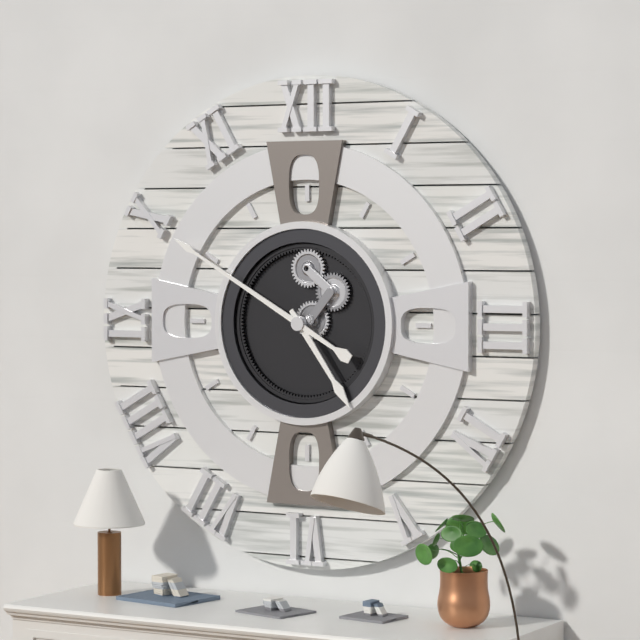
4:50
